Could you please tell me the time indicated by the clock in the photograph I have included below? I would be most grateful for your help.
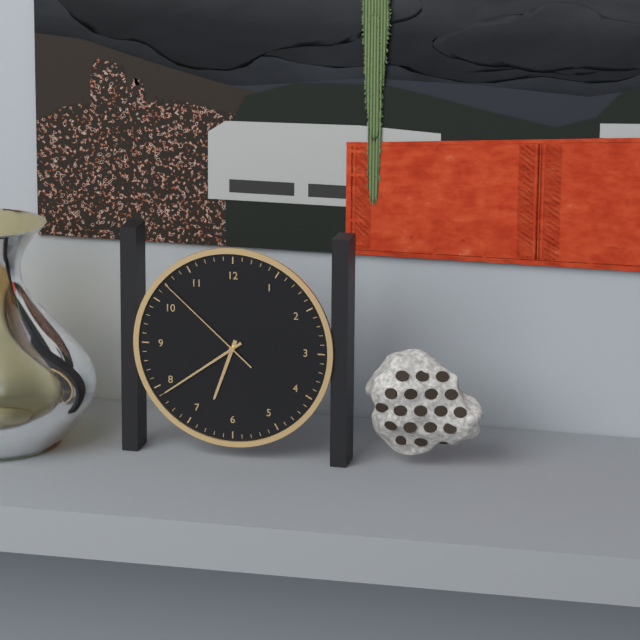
6:39:52
